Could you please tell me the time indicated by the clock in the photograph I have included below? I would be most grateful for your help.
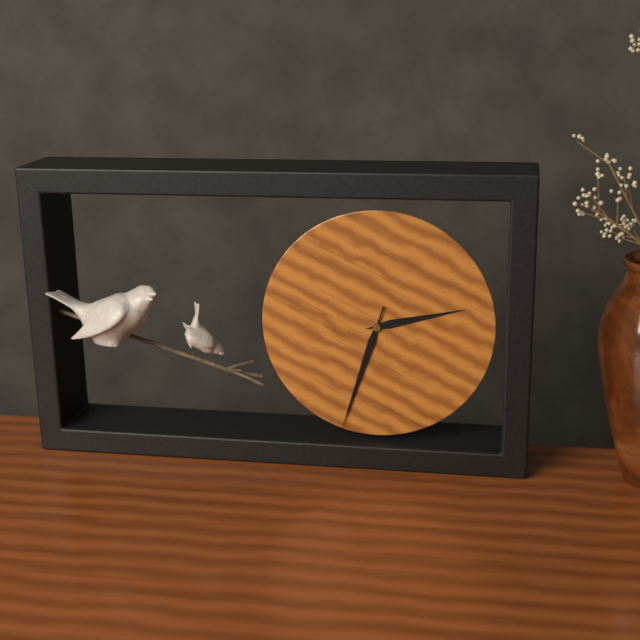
2:33:33
